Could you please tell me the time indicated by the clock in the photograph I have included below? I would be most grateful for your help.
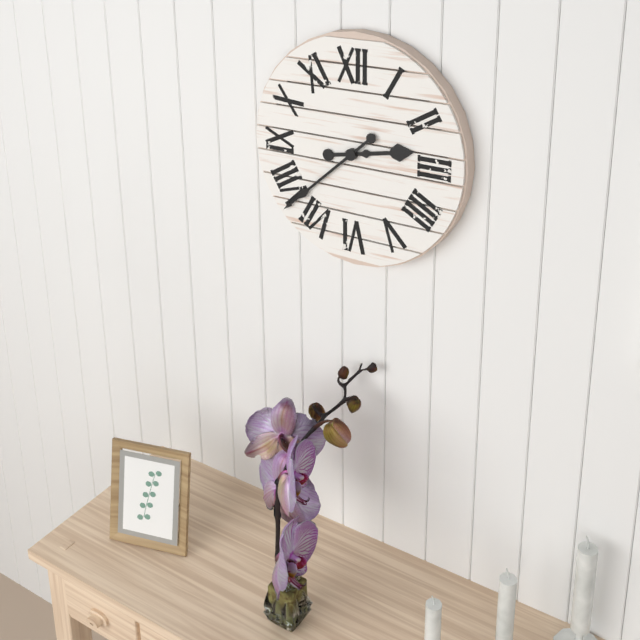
2:38
